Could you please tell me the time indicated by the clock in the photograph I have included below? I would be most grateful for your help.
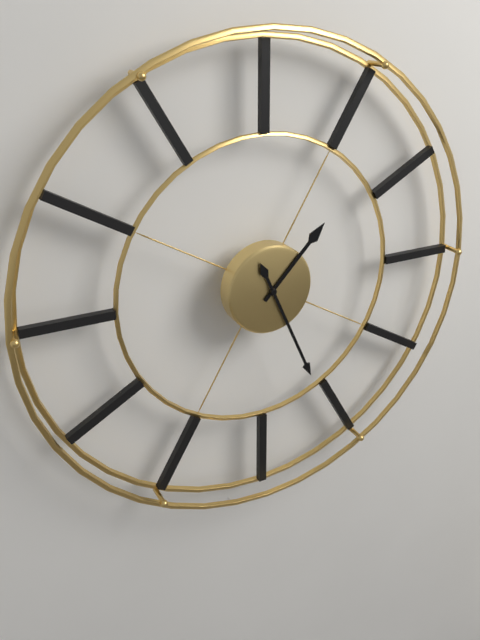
1:26
